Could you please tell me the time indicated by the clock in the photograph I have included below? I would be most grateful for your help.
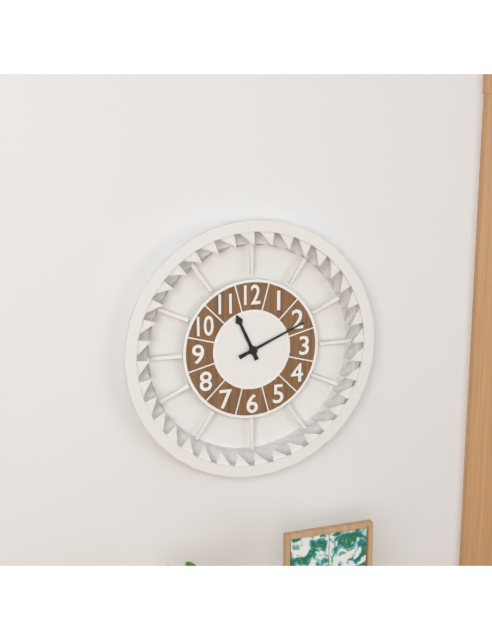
11:11
